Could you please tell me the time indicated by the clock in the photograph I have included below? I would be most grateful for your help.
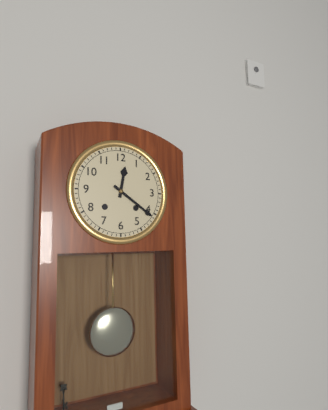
12:21
